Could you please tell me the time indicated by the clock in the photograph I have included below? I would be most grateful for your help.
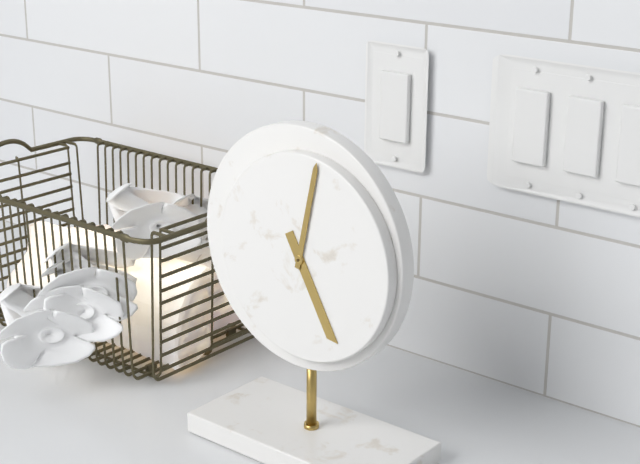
5:02
